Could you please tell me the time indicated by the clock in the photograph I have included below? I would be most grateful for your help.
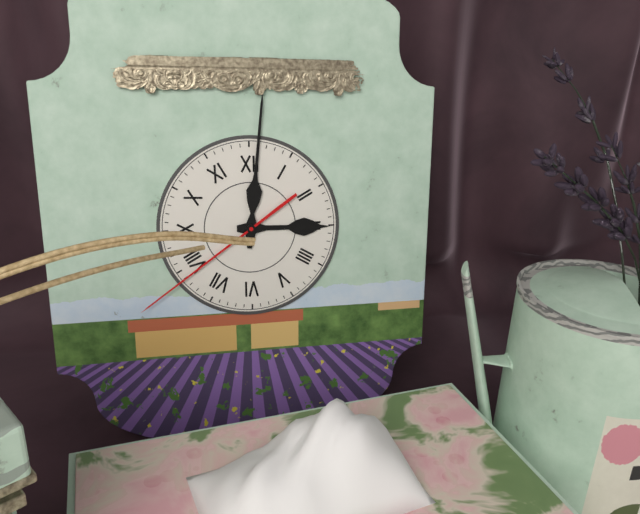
3:01:39
